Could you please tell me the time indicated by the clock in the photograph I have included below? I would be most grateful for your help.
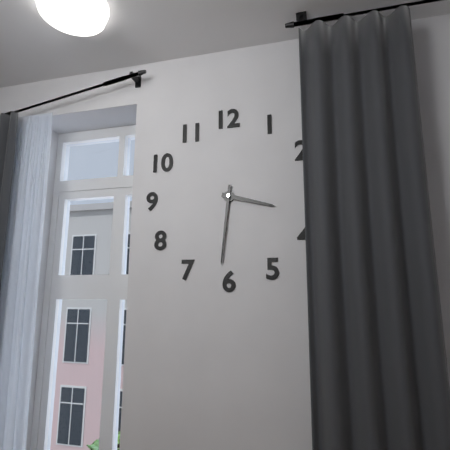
3:31
